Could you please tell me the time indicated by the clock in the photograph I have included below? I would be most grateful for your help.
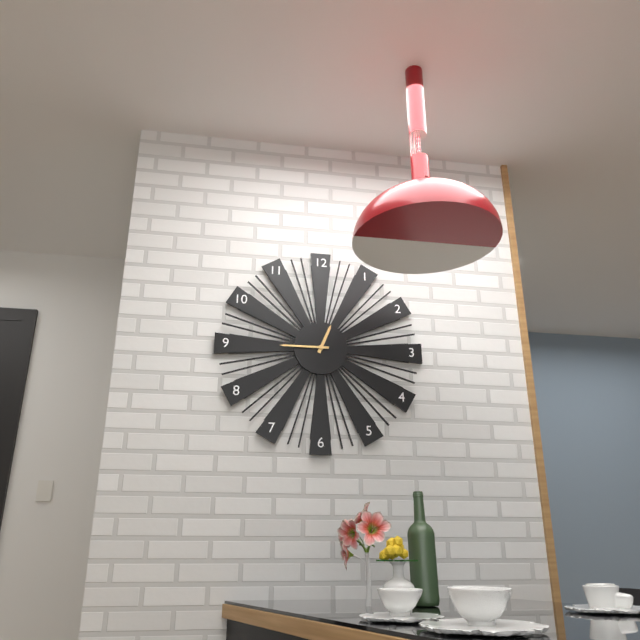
12:45
